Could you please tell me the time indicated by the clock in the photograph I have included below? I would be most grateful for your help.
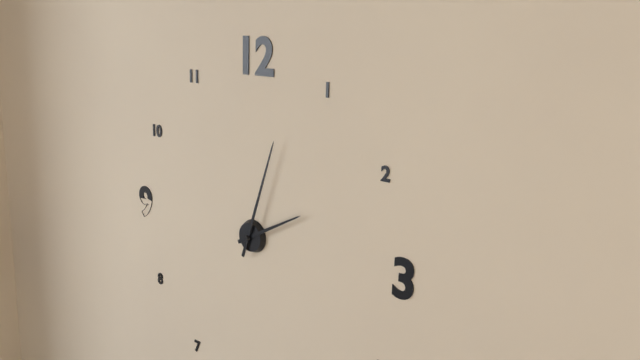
2:03
